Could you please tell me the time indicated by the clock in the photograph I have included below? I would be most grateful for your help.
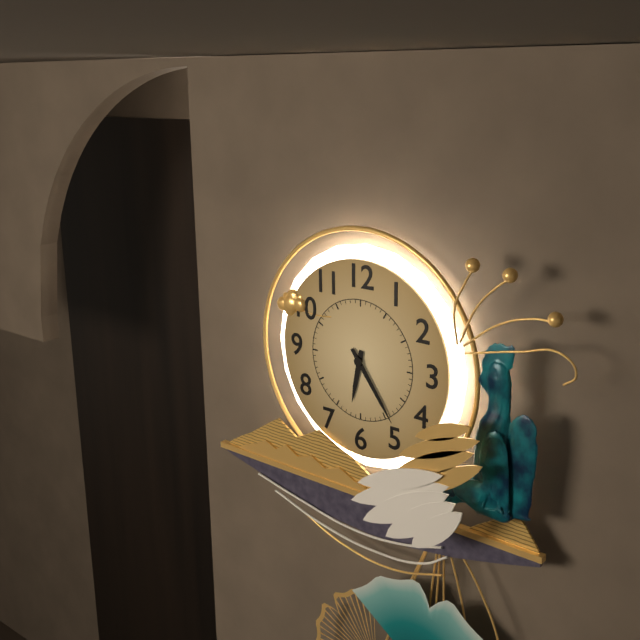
6:24
